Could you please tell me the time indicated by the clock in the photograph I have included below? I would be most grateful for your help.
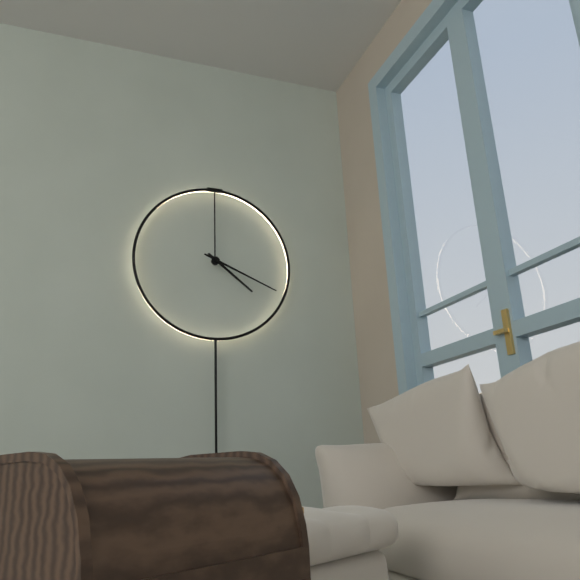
4:19
